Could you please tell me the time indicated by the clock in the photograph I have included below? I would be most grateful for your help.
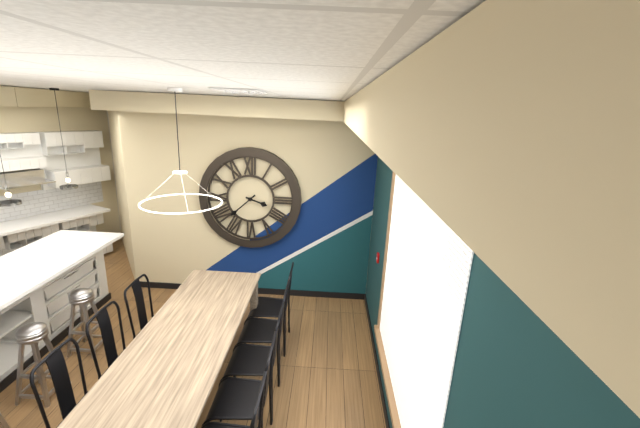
3:38
